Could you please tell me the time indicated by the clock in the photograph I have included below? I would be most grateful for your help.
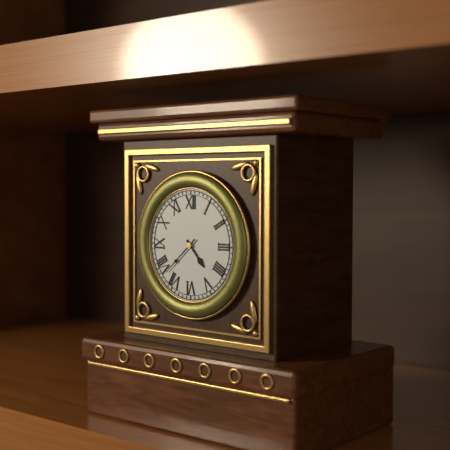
4:38
